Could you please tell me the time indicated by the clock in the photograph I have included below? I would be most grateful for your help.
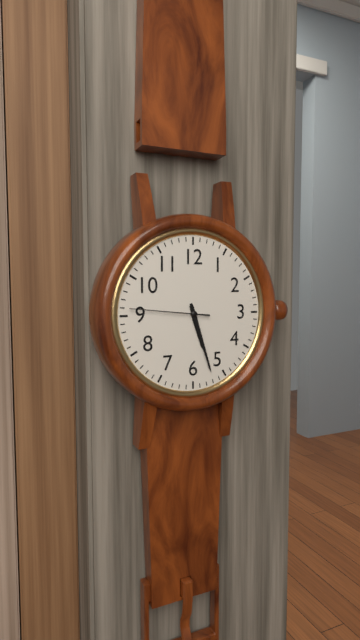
5:27:46
